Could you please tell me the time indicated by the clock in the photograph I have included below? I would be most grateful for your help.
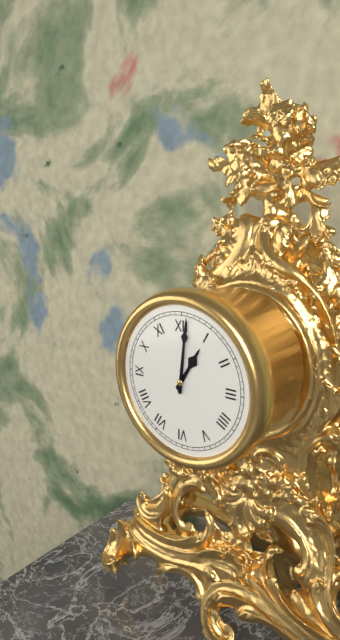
1:01
